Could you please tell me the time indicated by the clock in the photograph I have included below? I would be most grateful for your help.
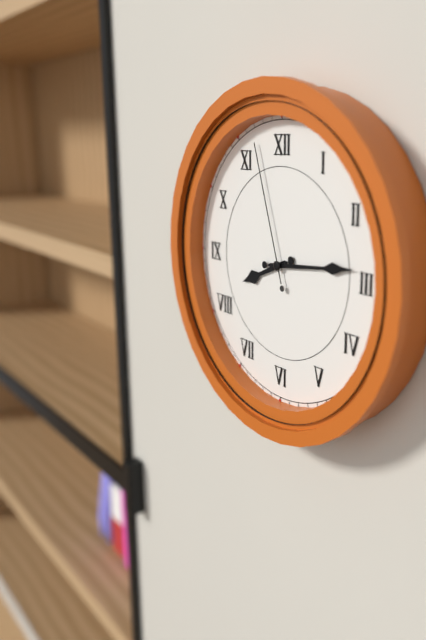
8:14:57
